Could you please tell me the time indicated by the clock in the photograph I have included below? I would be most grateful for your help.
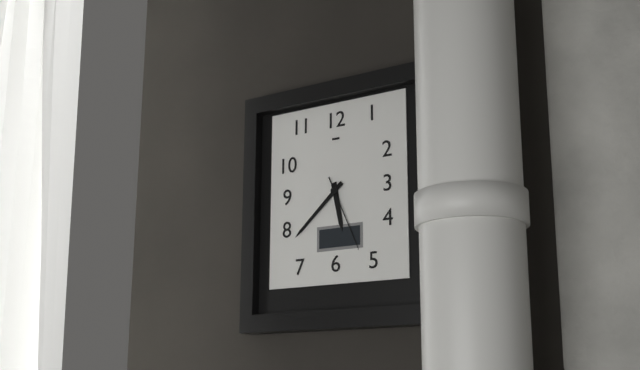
5:38:26
